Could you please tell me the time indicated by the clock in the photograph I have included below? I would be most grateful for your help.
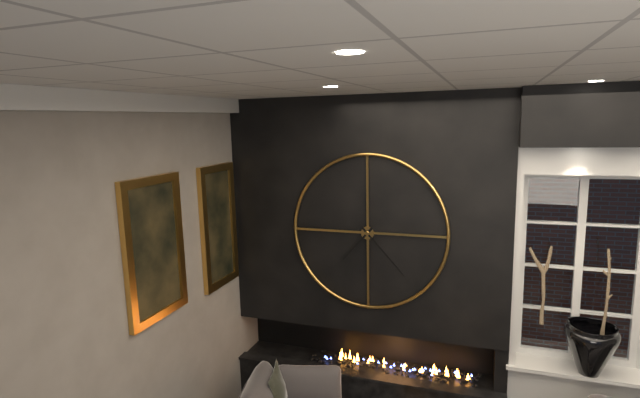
7:23
